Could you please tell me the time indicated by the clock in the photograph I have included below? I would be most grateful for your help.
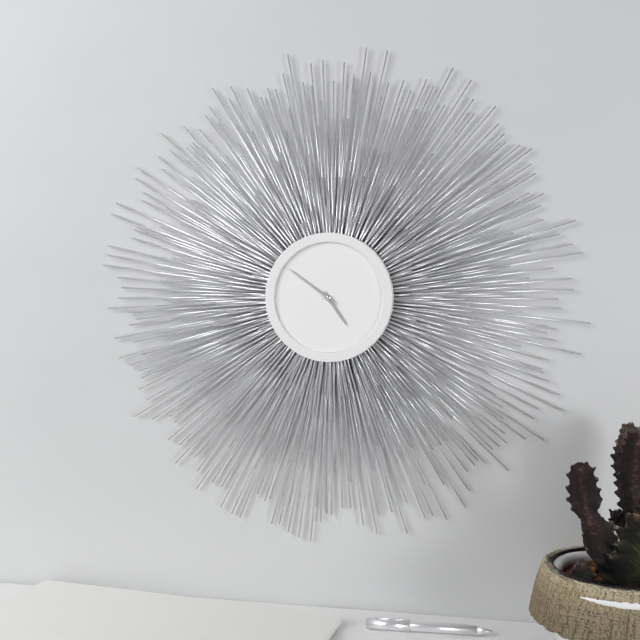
4:51
